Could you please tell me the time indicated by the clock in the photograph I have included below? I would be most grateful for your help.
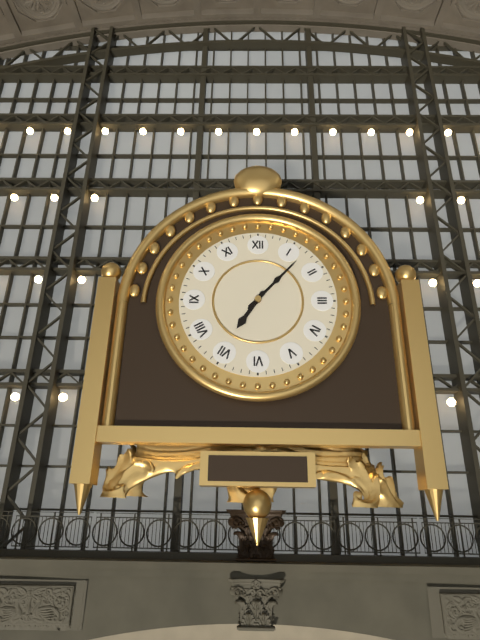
7:07
